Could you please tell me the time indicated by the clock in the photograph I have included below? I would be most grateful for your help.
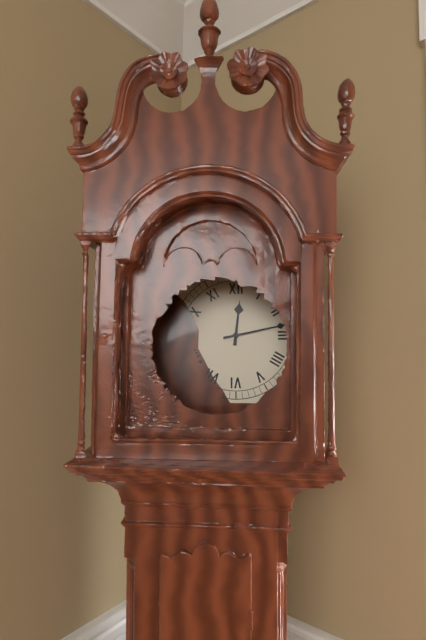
12:13
